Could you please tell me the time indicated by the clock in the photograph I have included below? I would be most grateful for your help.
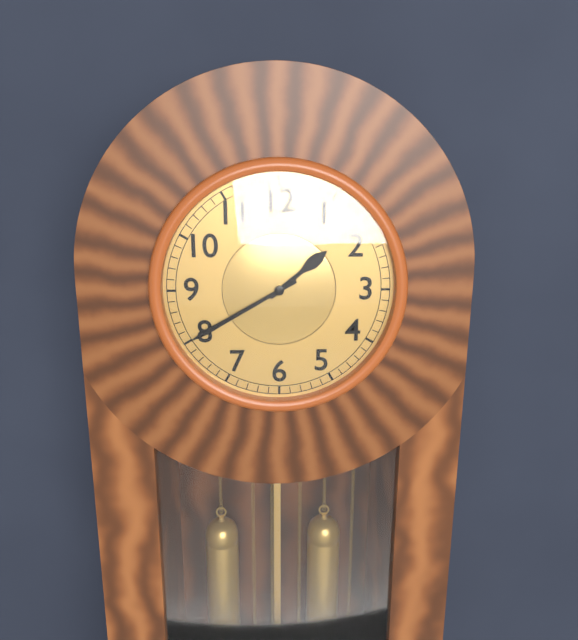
1:40
